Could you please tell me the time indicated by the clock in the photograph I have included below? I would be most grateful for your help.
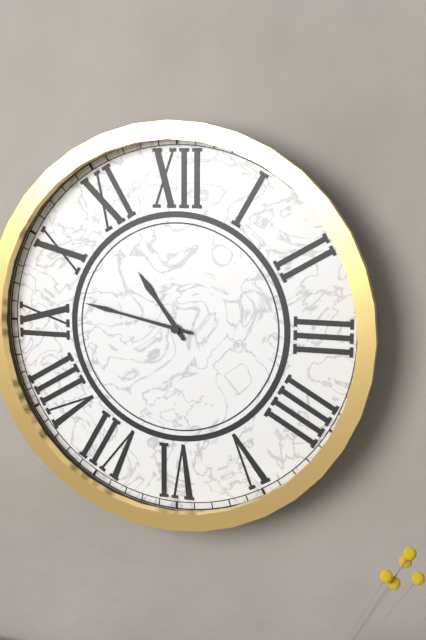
10:47
